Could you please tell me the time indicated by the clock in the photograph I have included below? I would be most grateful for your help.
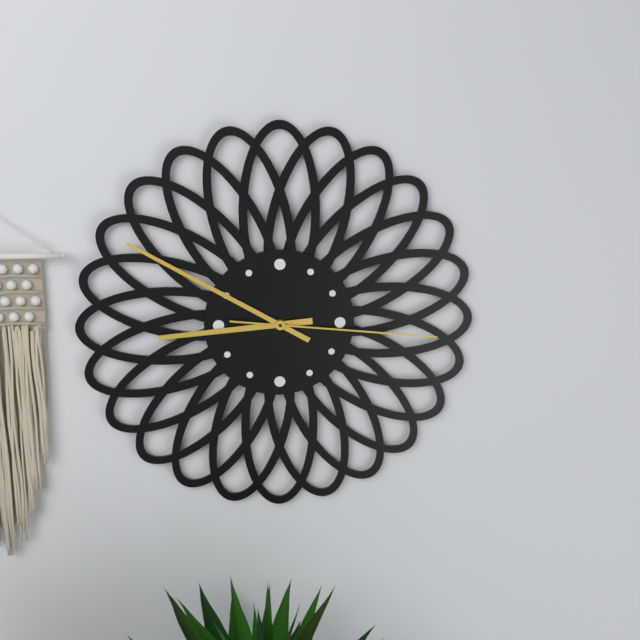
8:50:16
